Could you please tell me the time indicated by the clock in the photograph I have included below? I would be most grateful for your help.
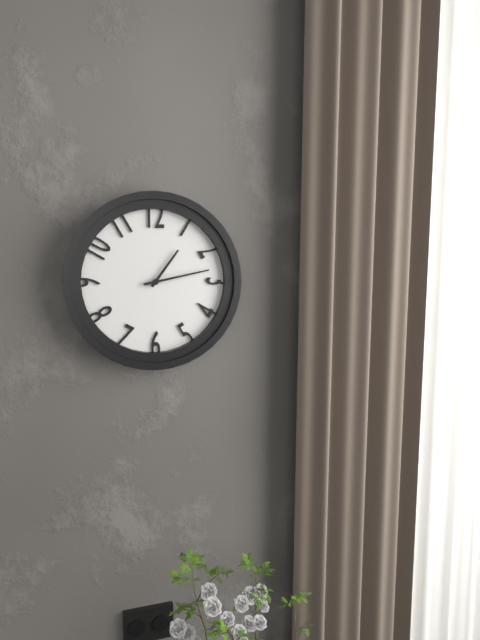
1:13
